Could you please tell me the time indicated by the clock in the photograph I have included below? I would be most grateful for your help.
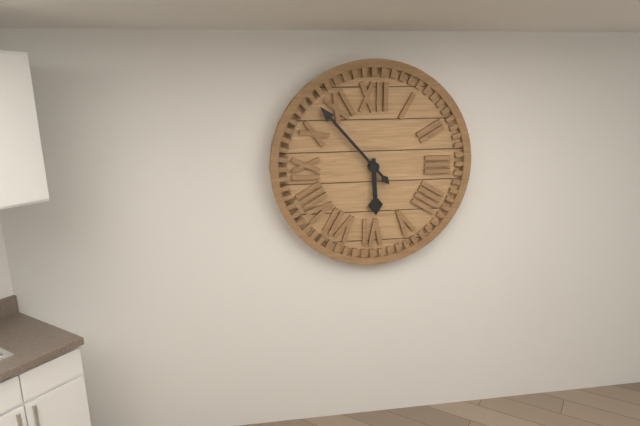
5:53
